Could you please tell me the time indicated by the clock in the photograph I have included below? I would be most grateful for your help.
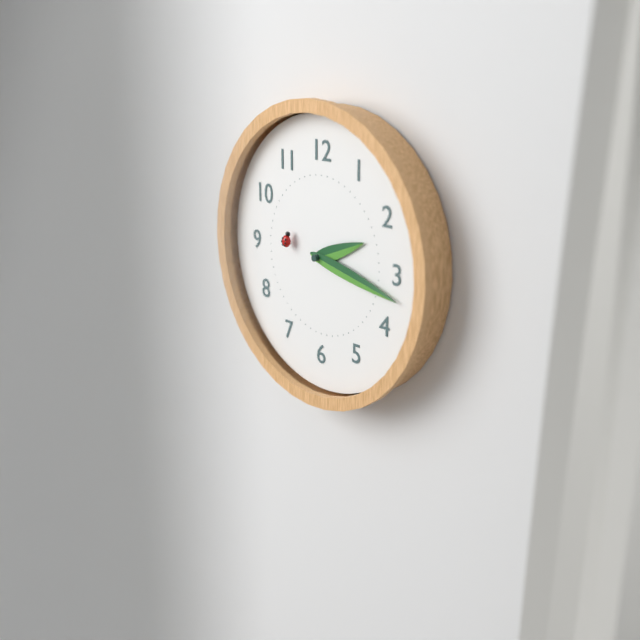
2:17:47
